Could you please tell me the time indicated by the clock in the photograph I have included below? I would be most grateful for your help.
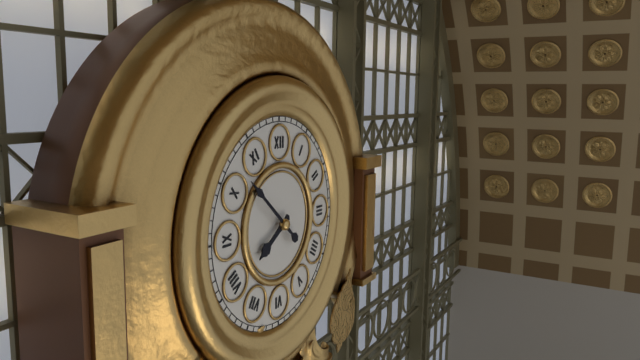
7:52
